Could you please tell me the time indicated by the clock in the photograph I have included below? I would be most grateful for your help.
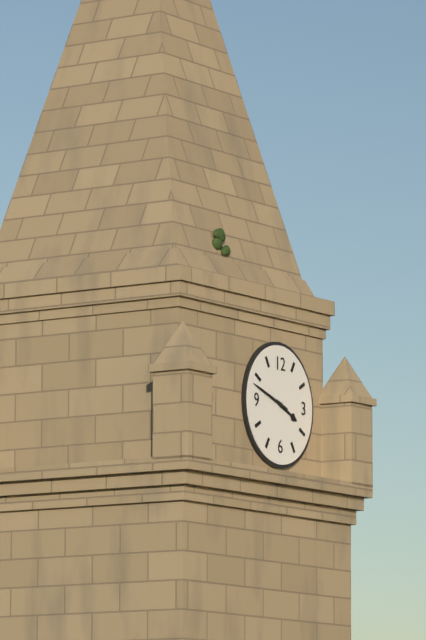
3:48
